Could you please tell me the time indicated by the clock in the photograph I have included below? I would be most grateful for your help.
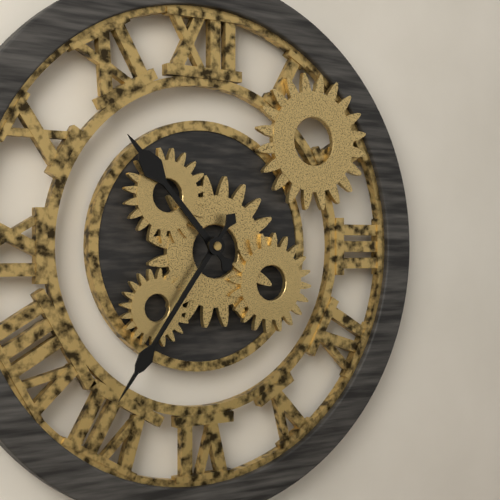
10:36
